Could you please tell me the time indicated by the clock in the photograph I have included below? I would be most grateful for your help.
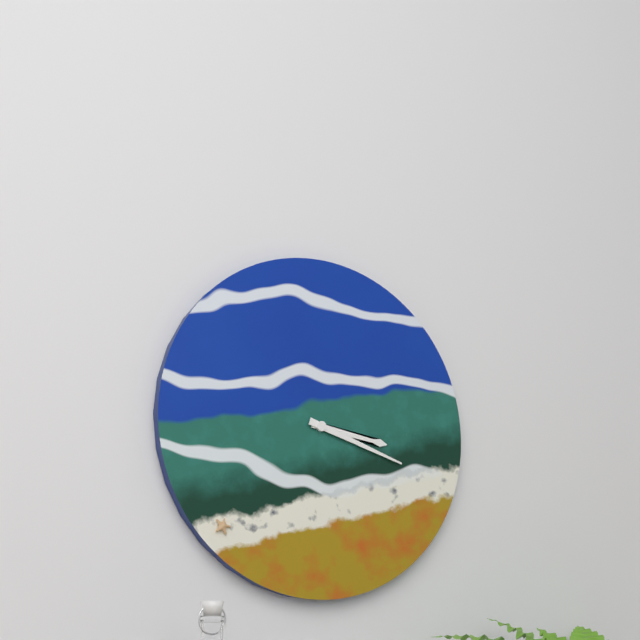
3:18
